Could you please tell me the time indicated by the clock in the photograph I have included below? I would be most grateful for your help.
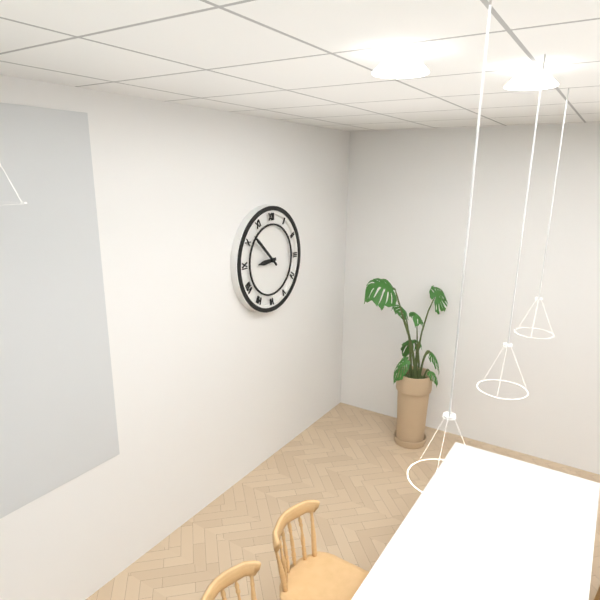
8:52
